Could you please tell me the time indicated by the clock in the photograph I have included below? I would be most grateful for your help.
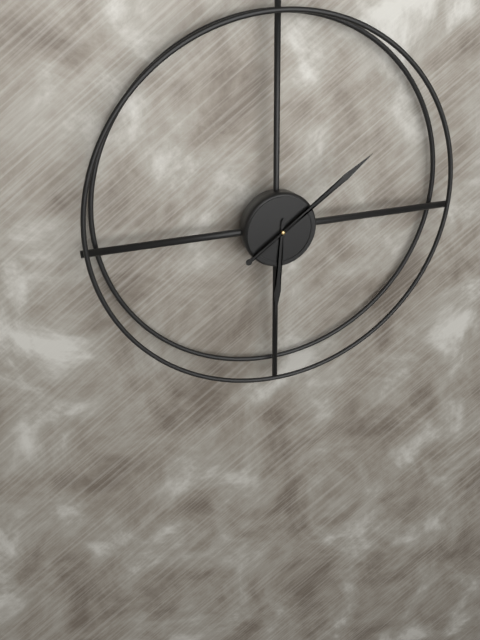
6:09
